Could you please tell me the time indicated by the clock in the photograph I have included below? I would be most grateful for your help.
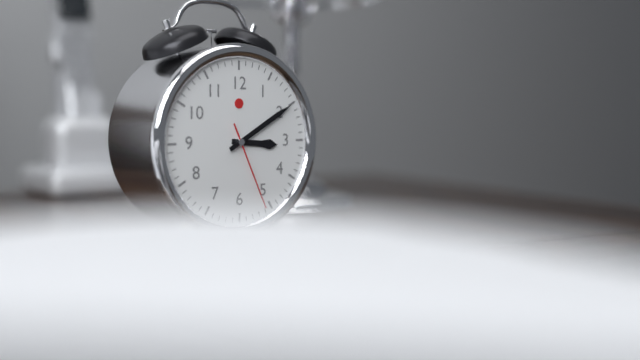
3:10:26
